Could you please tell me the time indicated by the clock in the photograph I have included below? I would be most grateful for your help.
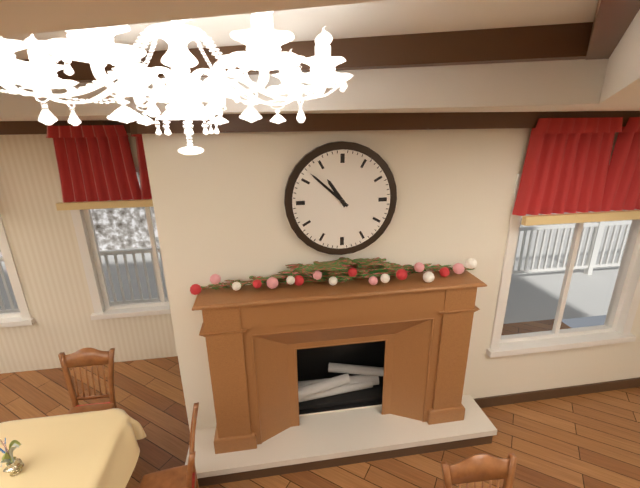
10:52
